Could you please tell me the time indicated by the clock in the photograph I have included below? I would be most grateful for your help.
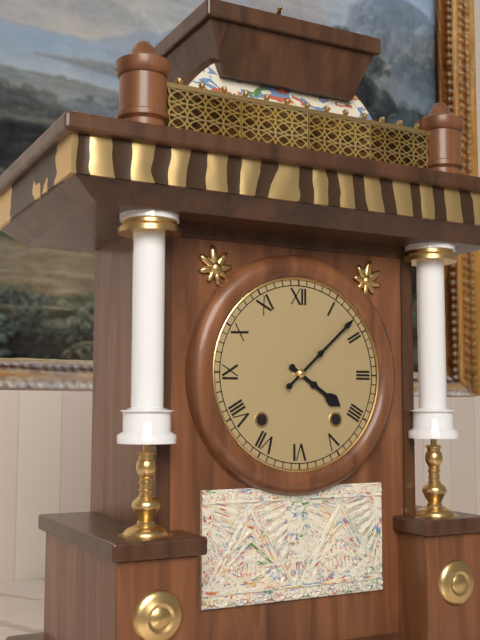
4:08
